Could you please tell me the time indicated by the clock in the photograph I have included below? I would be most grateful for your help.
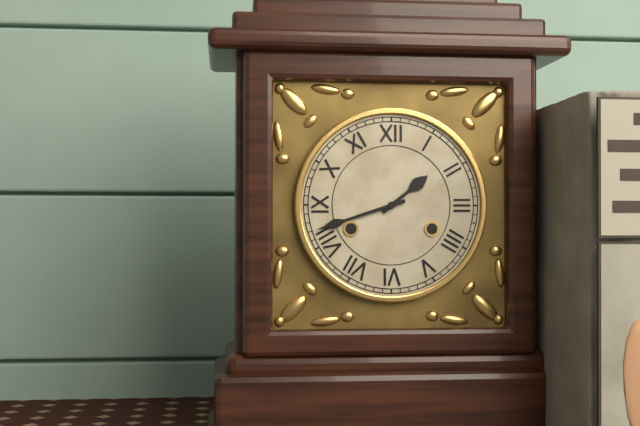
1:42
